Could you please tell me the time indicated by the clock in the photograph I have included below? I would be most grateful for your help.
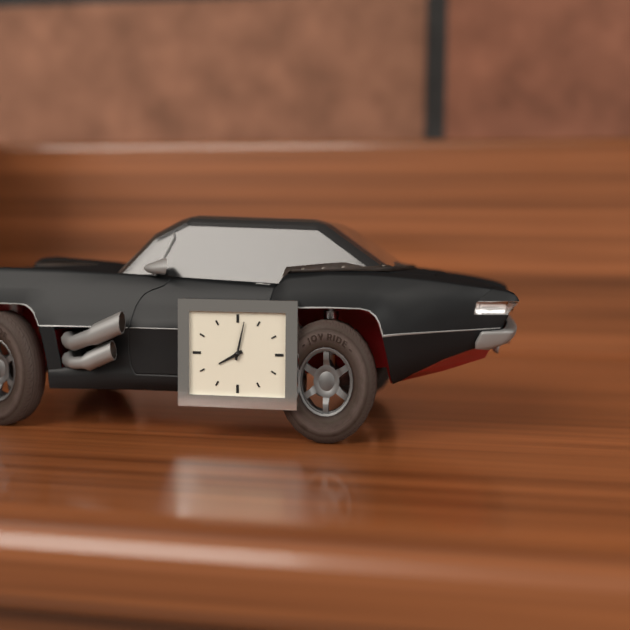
8:02
